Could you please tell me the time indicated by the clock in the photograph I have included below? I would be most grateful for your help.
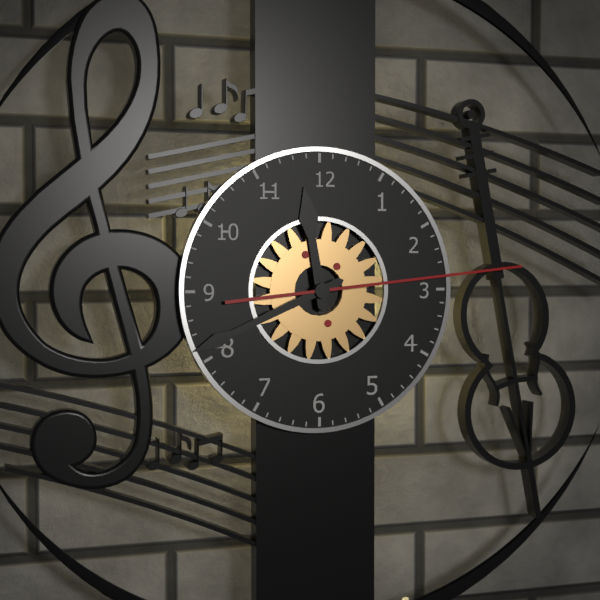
11:41:14
